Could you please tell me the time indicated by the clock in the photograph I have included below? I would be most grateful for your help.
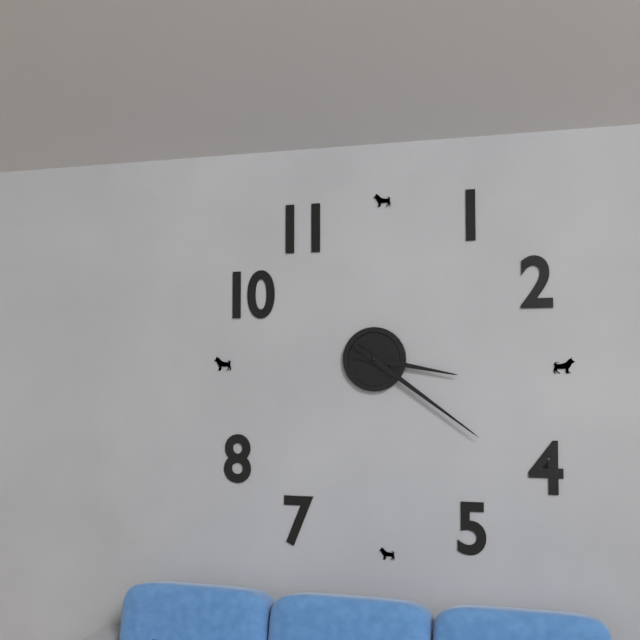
3:21
